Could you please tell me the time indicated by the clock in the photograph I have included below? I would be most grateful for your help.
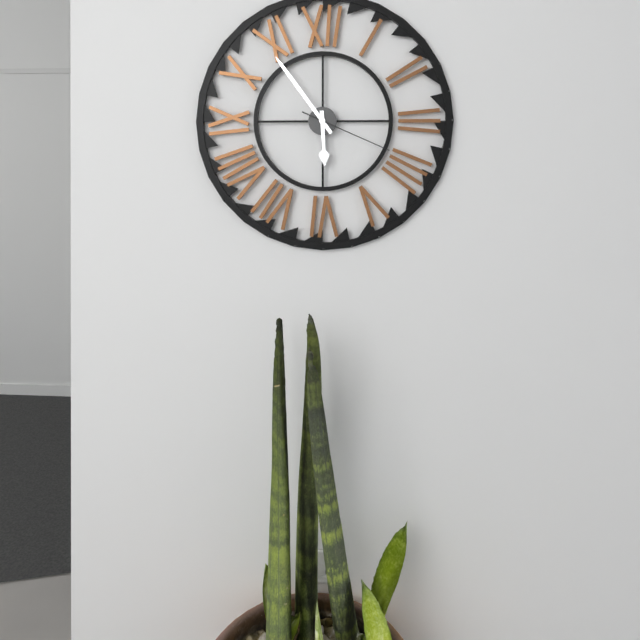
5:54:19
